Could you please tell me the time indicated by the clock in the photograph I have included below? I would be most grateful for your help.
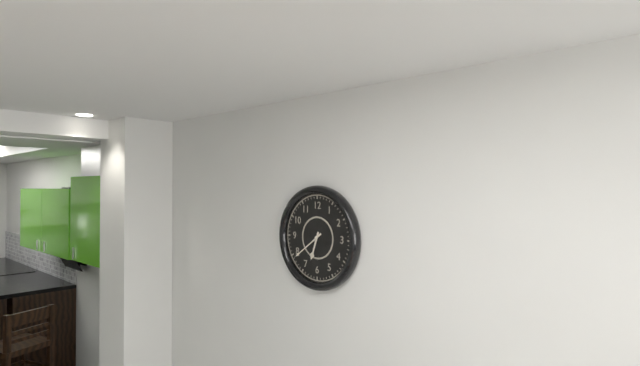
6:39
